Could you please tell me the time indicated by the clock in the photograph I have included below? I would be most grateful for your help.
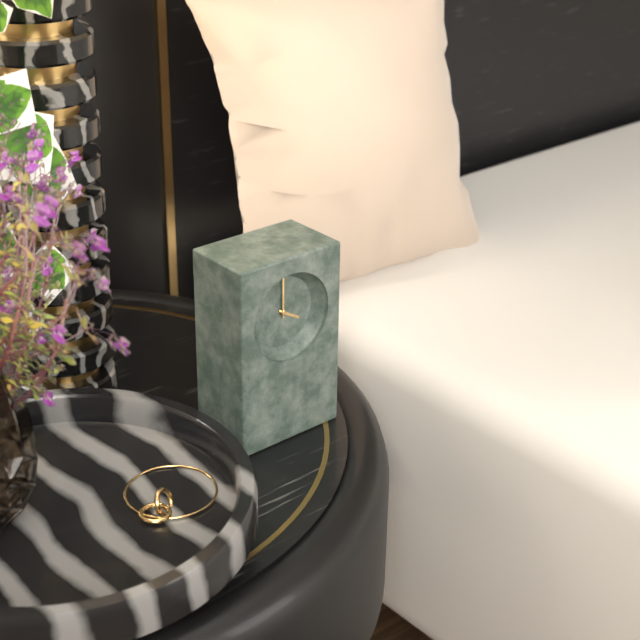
4:00
